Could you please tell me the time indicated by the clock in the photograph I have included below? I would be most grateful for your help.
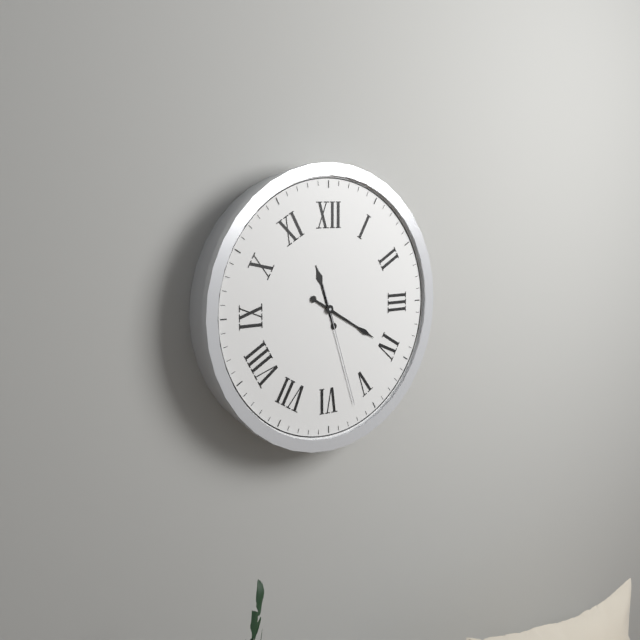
11:20:27
